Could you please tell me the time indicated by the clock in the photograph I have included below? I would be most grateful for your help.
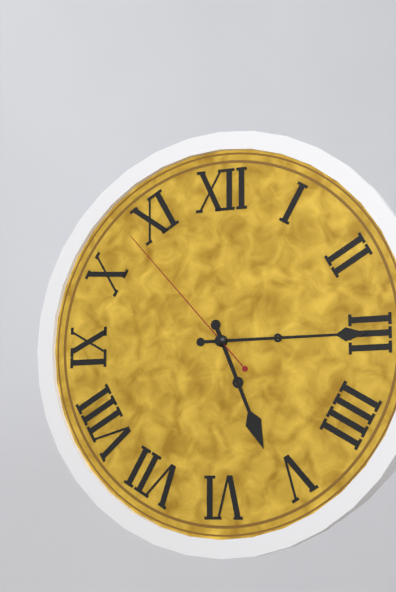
5:15:53
